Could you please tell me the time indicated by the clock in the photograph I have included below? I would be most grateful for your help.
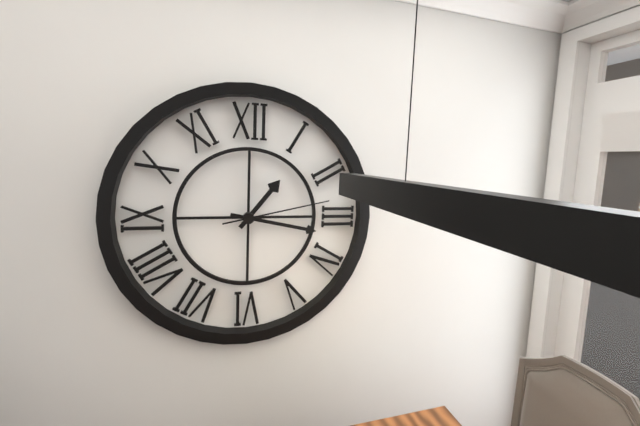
1:17:13
